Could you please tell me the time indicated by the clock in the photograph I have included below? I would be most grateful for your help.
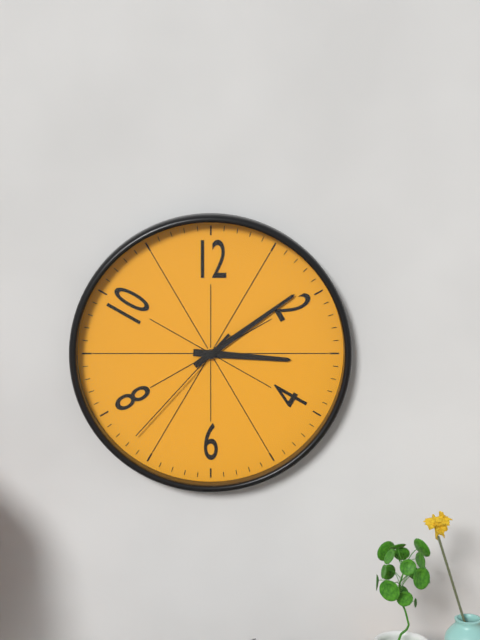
3:09:37
